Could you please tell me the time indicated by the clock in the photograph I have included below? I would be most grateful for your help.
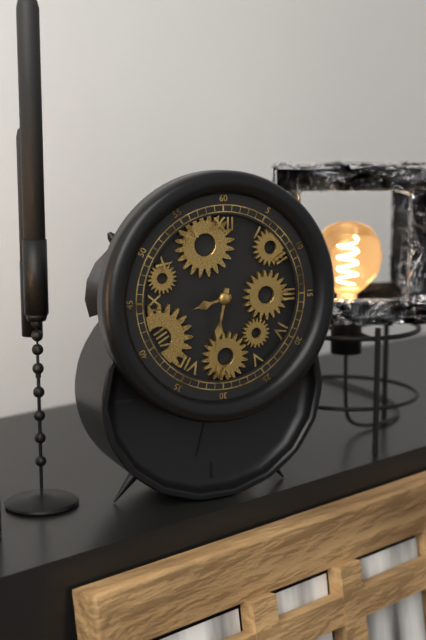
8:32
